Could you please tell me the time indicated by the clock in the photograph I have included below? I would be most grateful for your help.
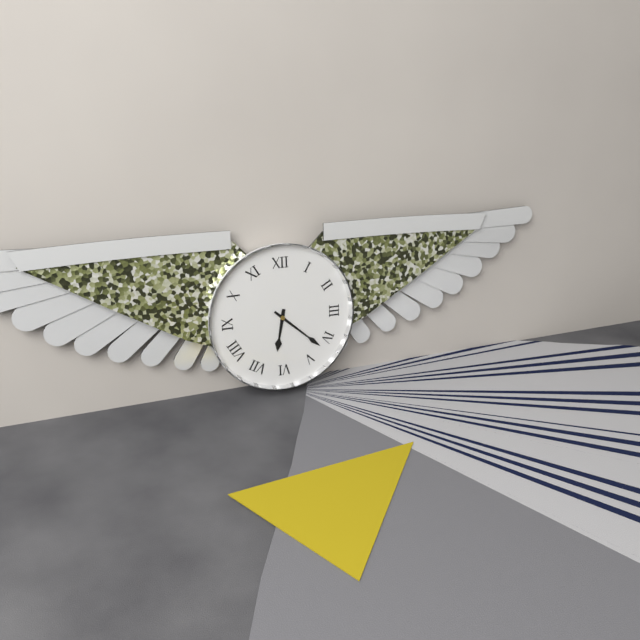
6:22
